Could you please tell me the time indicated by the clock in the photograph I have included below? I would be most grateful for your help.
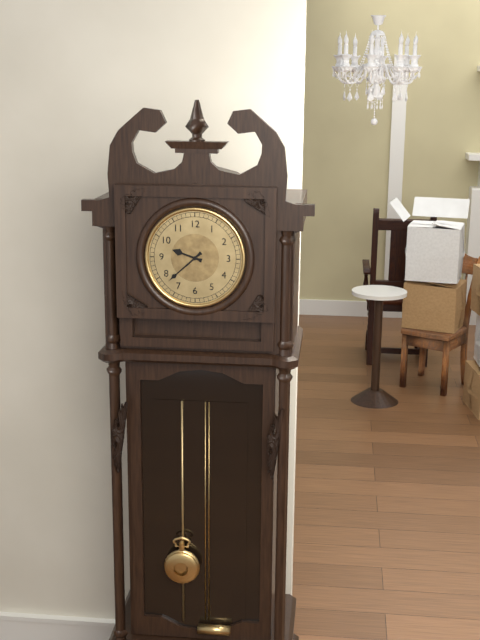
9:38
